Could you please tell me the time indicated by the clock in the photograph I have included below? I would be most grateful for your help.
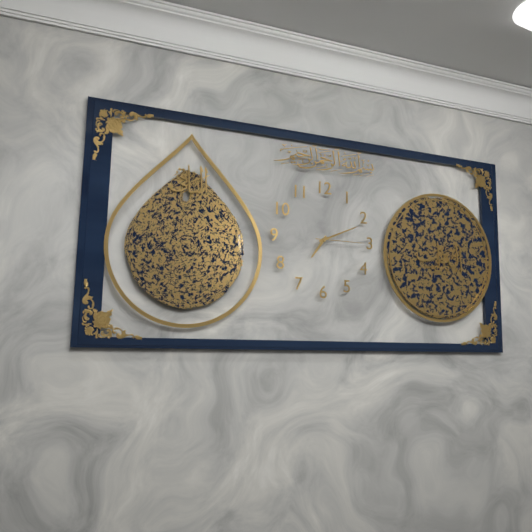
7:11:15
